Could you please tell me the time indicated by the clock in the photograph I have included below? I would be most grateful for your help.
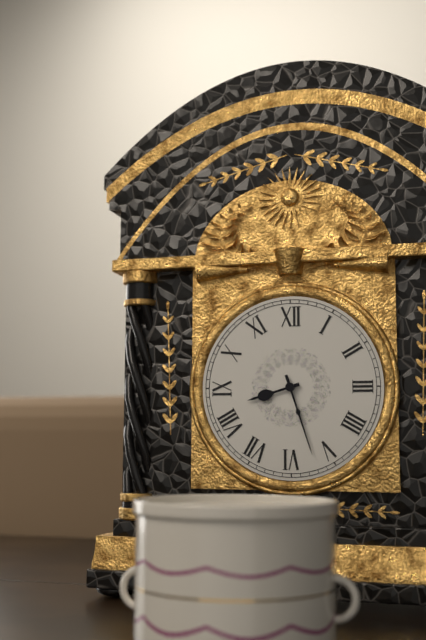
8:27
